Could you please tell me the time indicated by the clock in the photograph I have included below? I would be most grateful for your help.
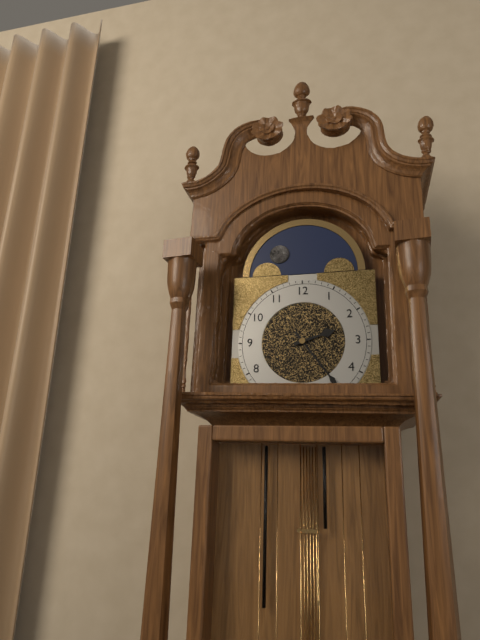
2:24
